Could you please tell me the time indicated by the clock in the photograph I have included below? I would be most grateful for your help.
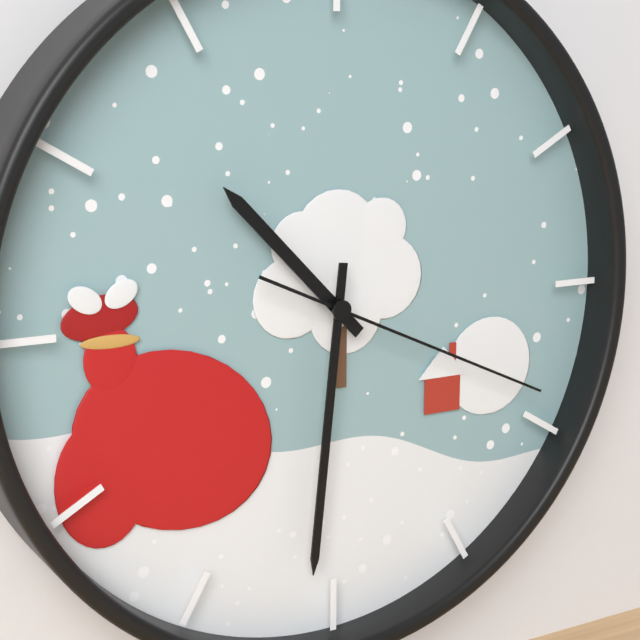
10:31:19
